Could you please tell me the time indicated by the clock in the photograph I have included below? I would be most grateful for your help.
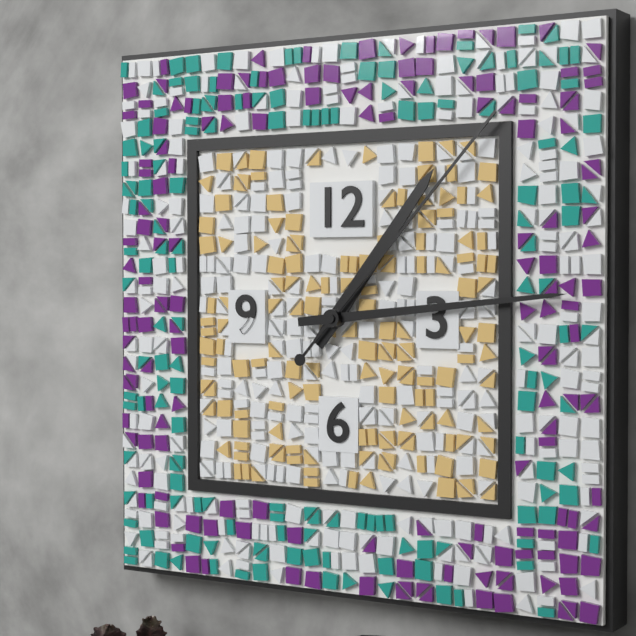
1:14:07
